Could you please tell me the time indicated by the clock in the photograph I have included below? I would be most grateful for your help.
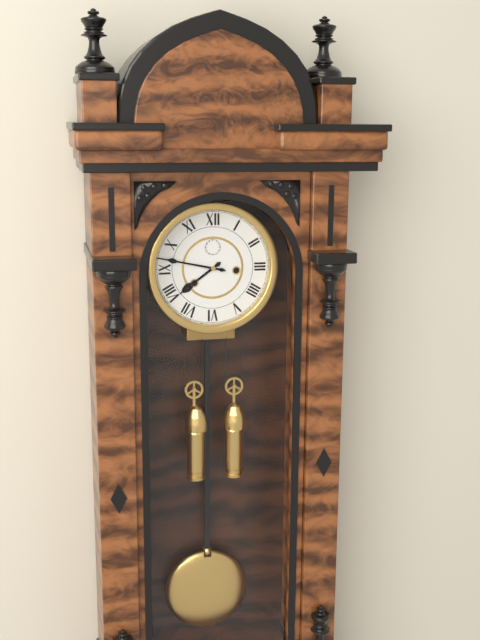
7:47
